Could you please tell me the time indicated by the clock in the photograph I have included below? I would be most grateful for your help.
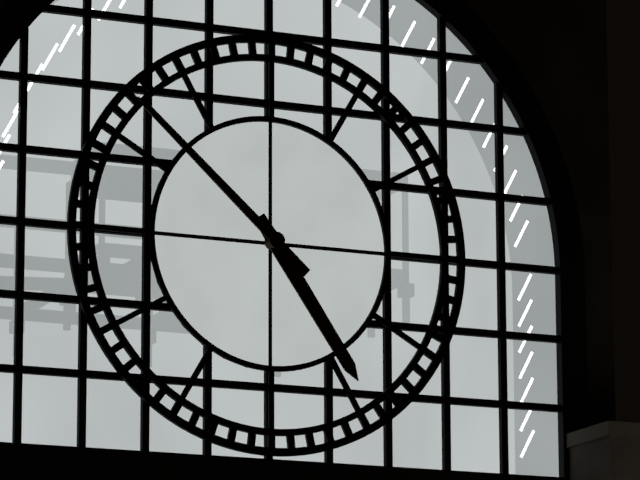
4:52
